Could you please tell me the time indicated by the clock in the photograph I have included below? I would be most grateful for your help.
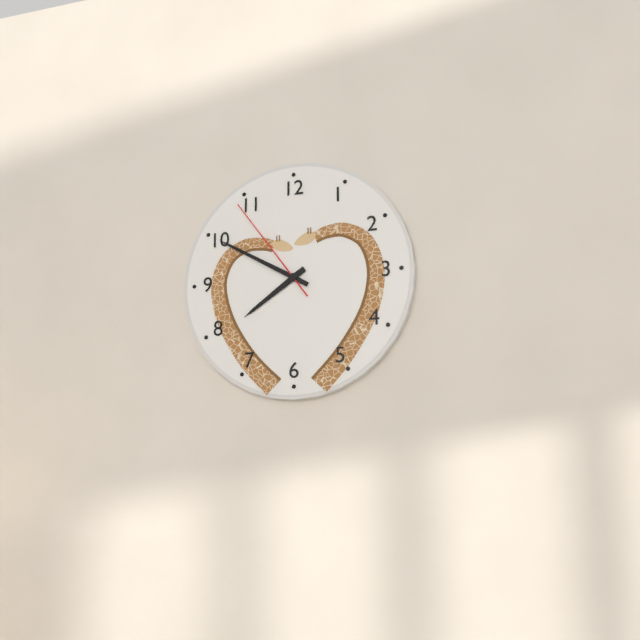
7:50:54
